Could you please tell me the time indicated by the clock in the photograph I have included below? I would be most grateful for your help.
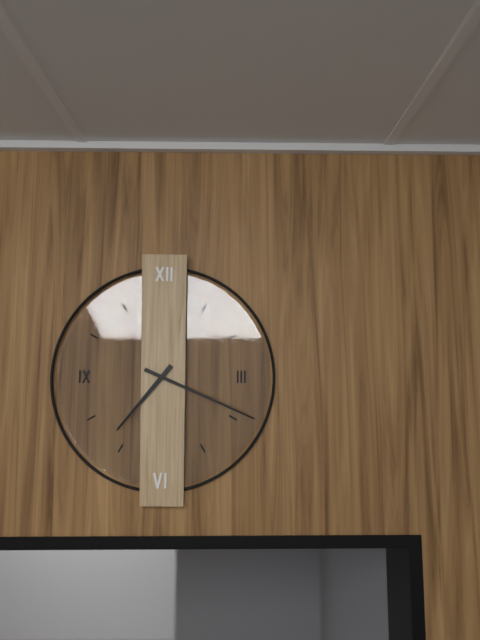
7:19
